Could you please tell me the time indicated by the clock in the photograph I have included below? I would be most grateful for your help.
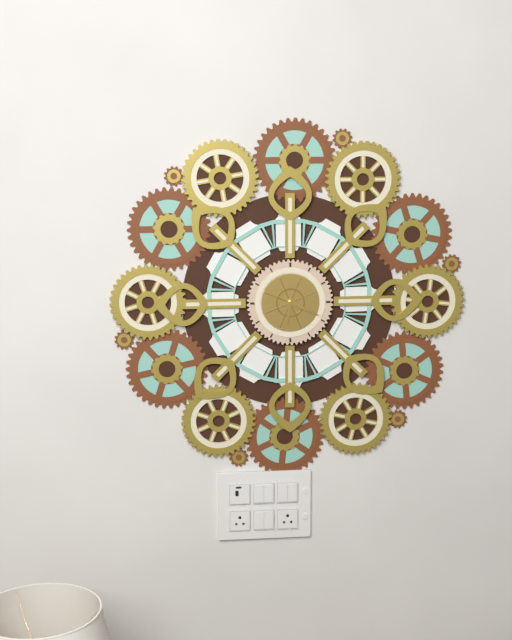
6:19
